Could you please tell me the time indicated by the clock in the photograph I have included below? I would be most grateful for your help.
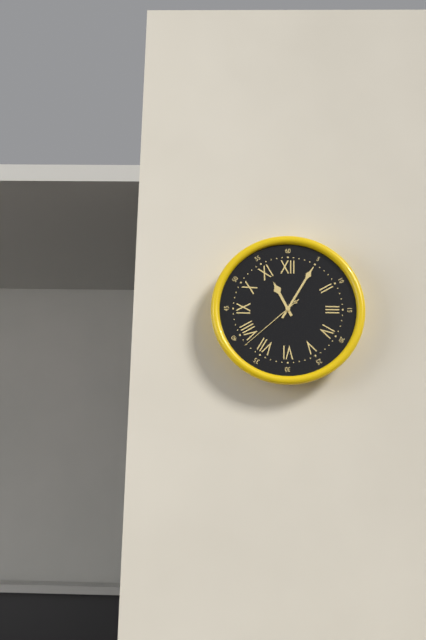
11:05:38
